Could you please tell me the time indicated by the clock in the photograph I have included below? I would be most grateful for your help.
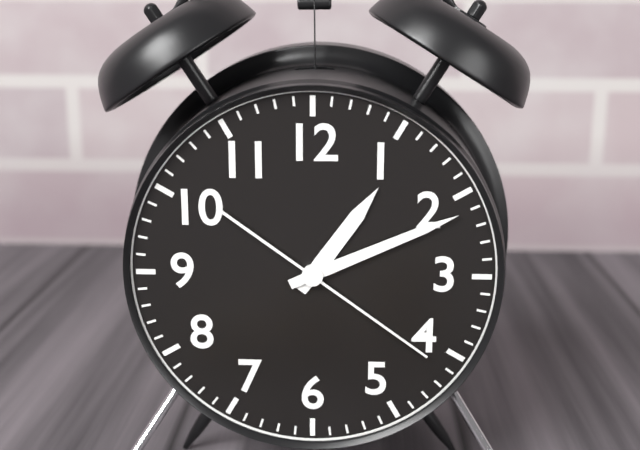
1:11:21
